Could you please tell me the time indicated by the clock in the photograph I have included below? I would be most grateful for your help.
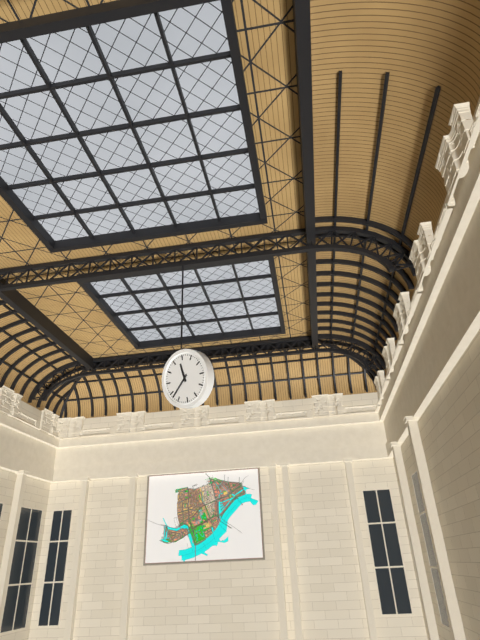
11:38
